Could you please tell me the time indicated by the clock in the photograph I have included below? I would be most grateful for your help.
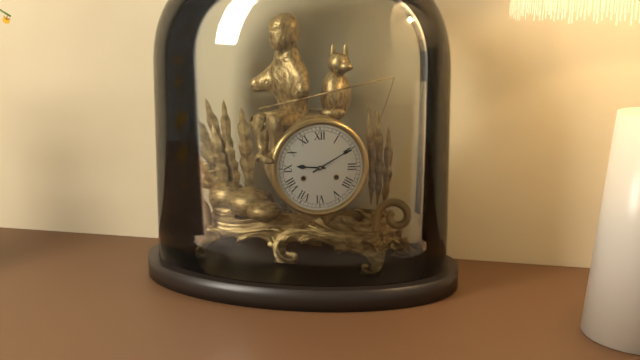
9:10
